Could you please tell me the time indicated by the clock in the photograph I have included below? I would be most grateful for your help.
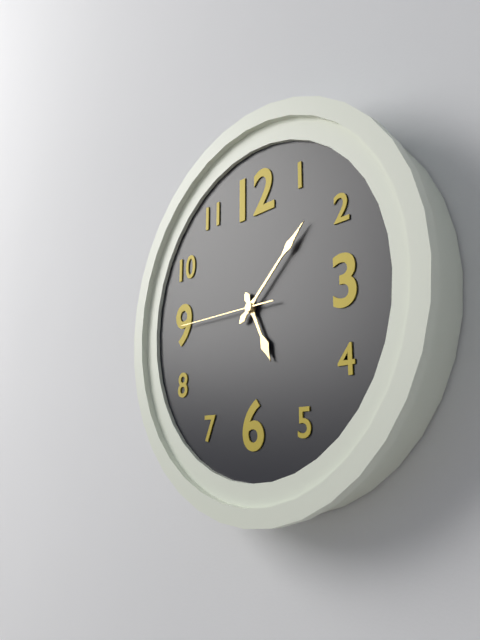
5:08:45
